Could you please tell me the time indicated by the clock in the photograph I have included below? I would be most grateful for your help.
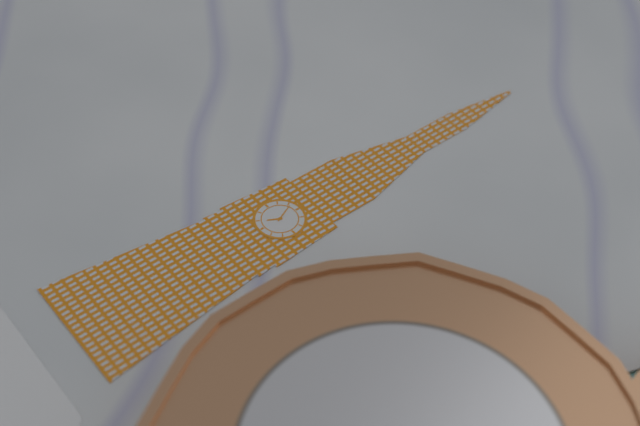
6:56
